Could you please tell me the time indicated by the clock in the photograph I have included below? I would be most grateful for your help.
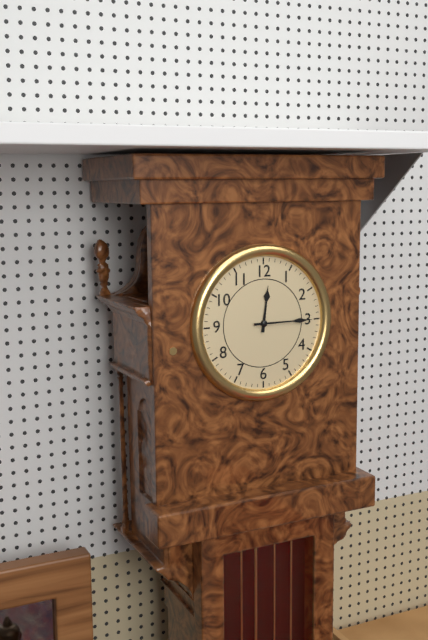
12:15
